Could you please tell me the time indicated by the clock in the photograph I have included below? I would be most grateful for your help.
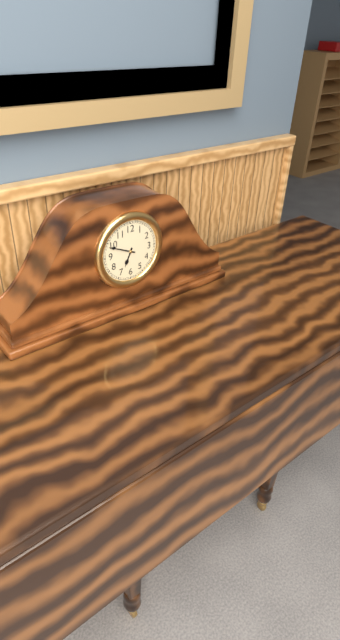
6:49
